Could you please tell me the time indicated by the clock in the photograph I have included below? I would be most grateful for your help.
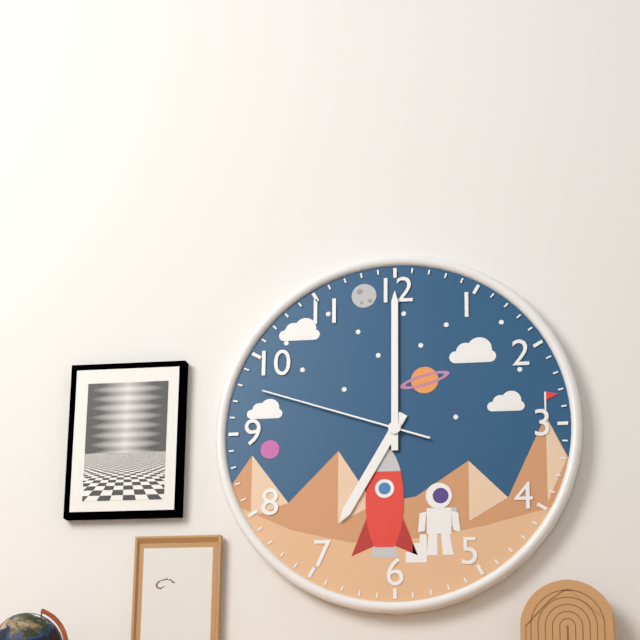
7:00:48
